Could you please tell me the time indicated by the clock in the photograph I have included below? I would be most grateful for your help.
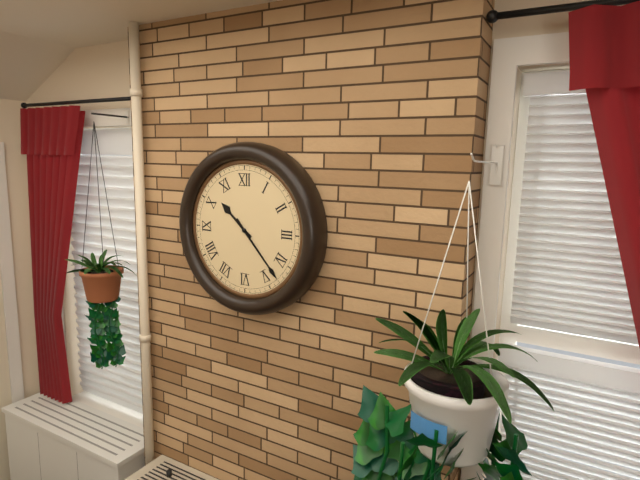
10:23
